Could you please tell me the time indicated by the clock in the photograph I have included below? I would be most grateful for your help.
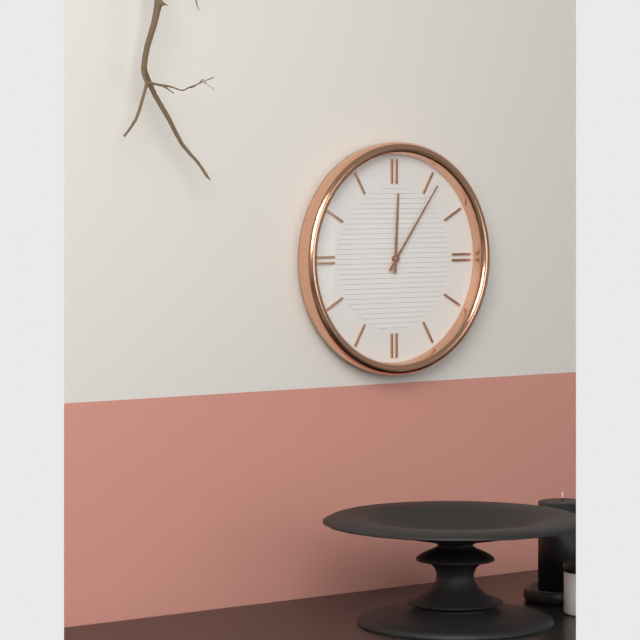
12:06
